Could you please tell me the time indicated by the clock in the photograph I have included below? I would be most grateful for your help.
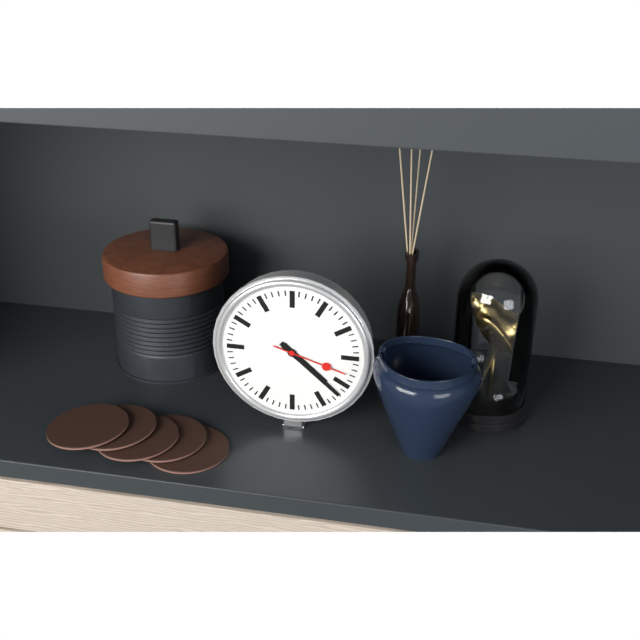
4:22:18
